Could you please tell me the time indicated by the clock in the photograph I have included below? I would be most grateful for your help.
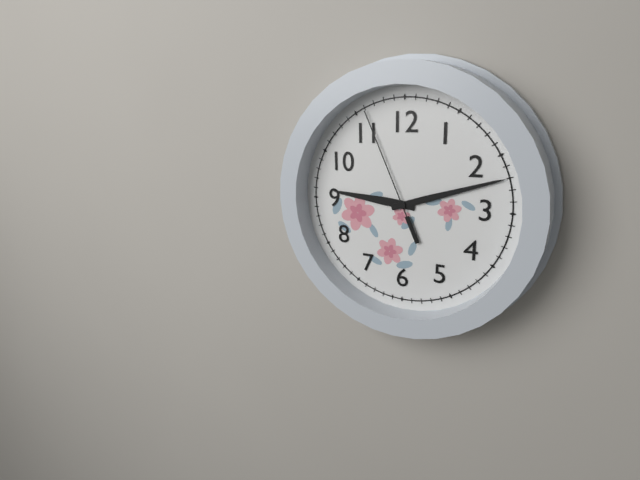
9:12:56
